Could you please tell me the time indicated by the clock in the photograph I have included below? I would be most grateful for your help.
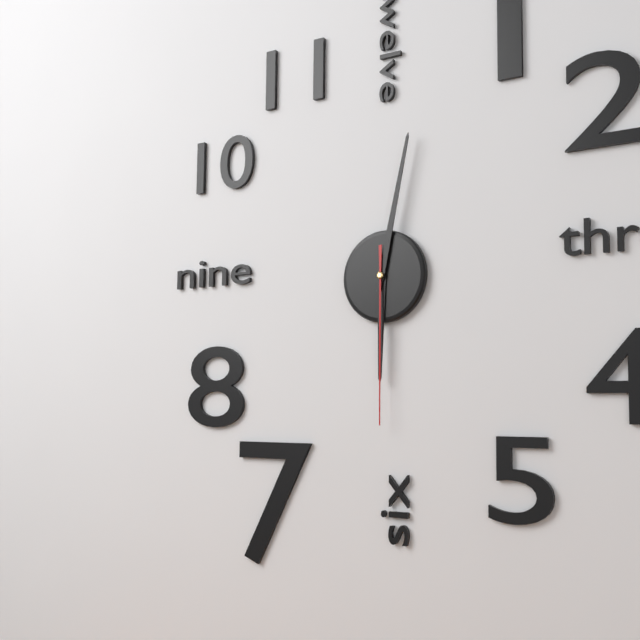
6:02:30
